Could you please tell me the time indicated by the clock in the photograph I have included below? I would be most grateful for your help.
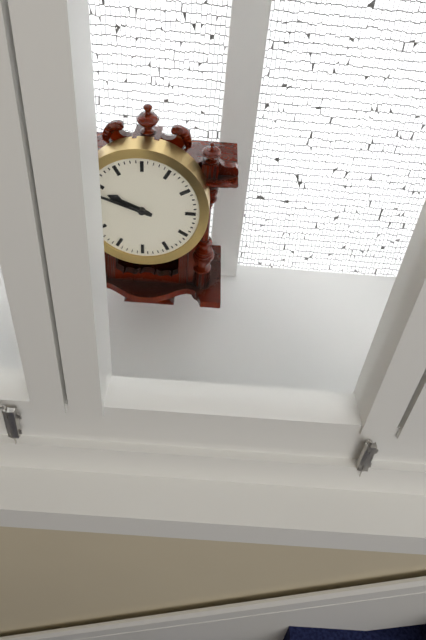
9:48
